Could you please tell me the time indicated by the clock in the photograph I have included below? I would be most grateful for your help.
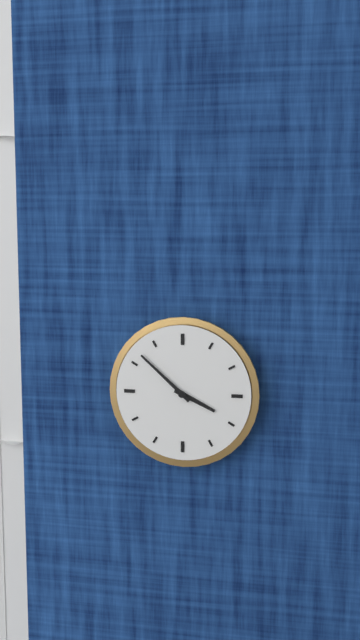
3:52
